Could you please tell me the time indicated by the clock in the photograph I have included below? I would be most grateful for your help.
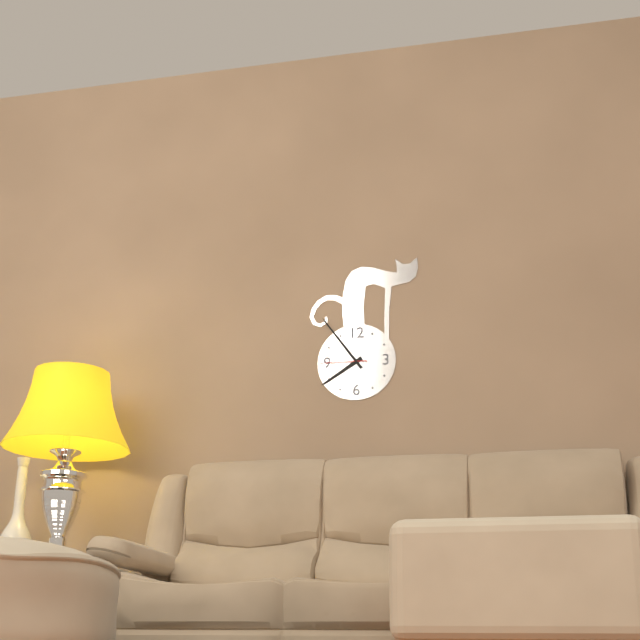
7:54
